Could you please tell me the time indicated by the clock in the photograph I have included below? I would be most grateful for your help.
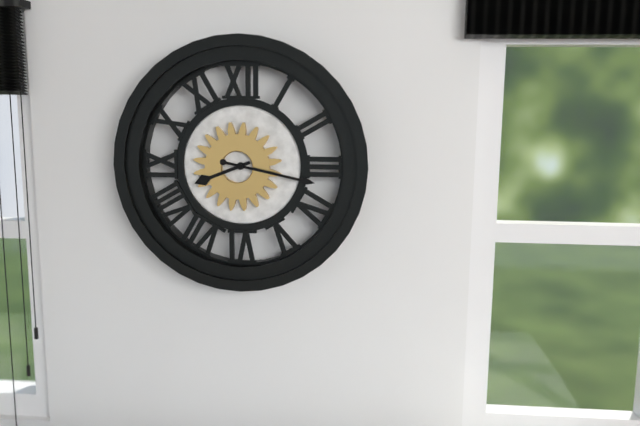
8:17
